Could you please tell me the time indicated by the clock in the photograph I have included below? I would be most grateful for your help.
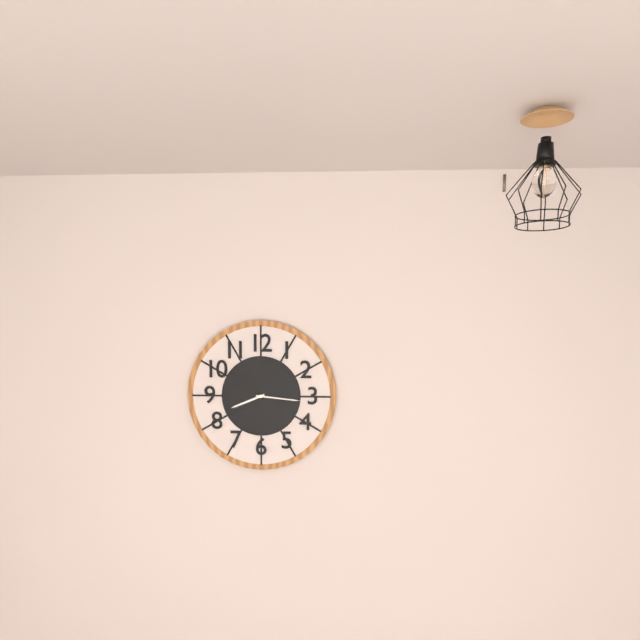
8:16
